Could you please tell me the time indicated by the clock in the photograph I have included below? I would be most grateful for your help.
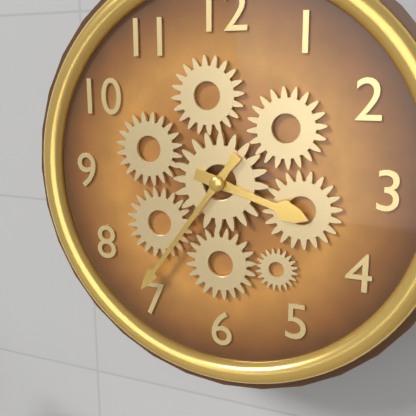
3:36
